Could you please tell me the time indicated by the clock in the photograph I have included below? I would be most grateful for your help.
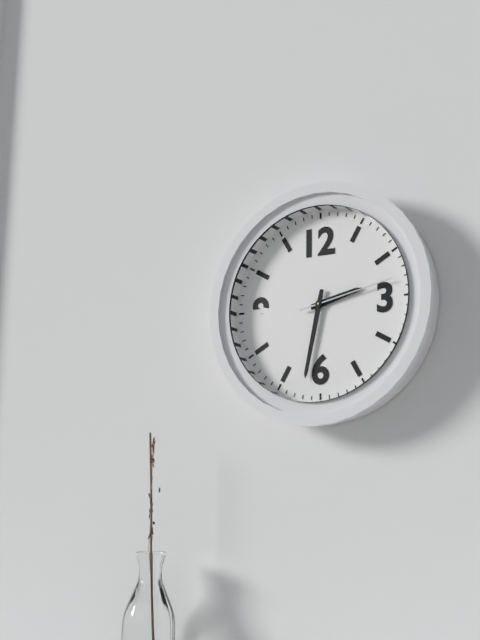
2:32:13
